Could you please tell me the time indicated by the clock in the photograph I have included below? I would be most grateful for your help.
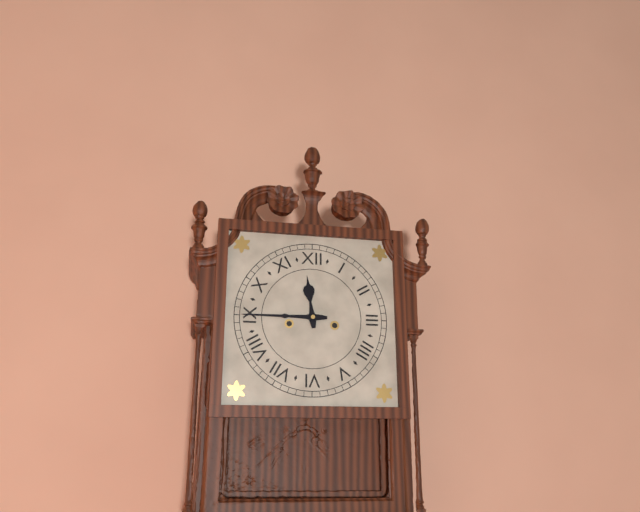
11:45
